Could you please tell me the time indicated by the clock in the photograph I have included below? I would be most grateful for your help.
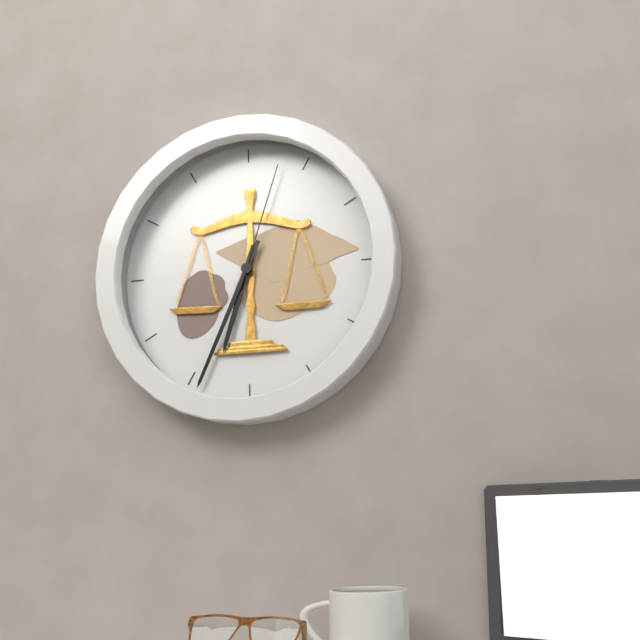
6:34:03
